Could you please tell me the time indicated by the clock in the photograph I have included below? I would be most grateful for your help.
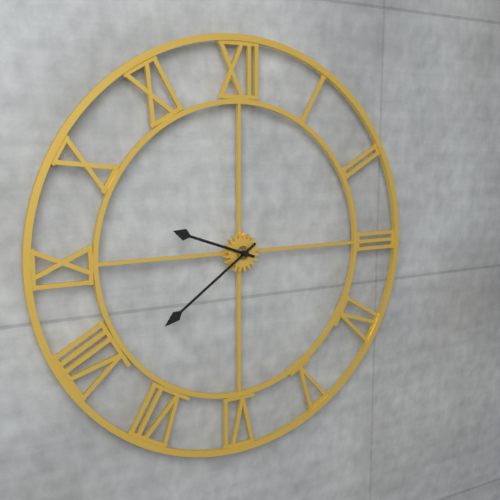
9:39
